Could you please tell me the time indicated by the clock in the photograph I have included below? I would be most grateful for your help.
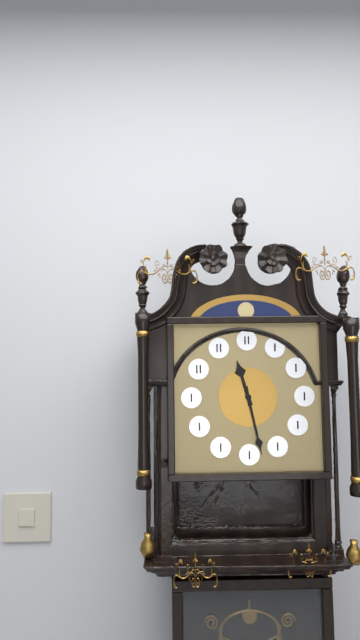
11:28
